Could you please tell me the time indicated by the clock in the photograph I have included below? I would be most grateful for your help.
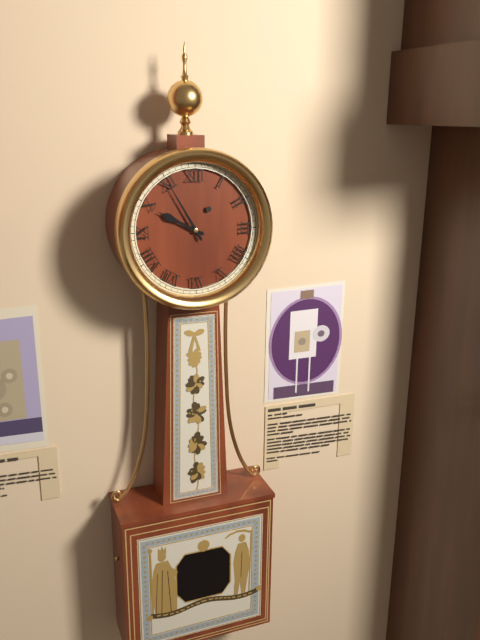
9:55
